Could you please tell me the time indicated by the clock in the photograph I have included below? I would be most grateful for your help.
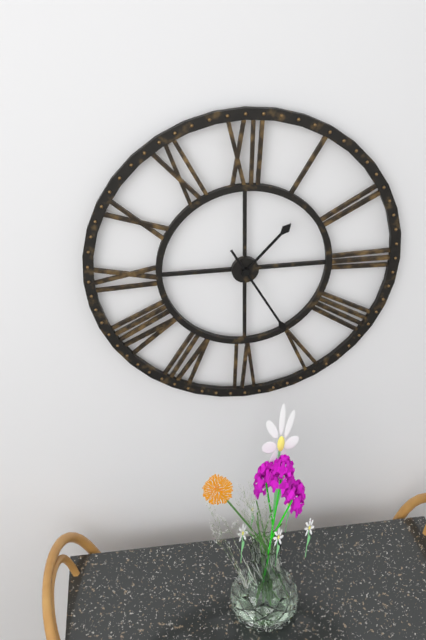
1:25
